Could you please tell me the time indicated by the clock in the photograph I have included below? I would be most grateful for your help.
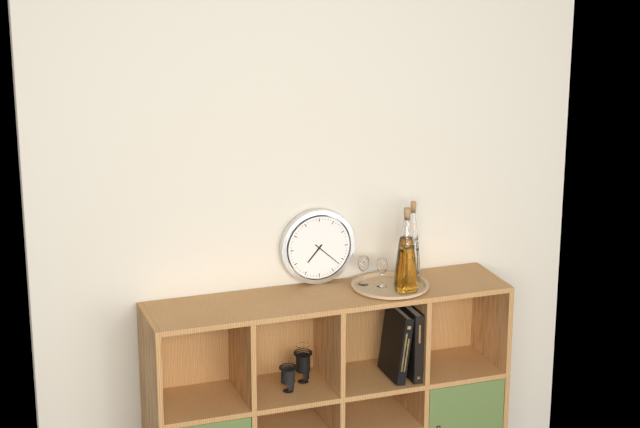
7:22
